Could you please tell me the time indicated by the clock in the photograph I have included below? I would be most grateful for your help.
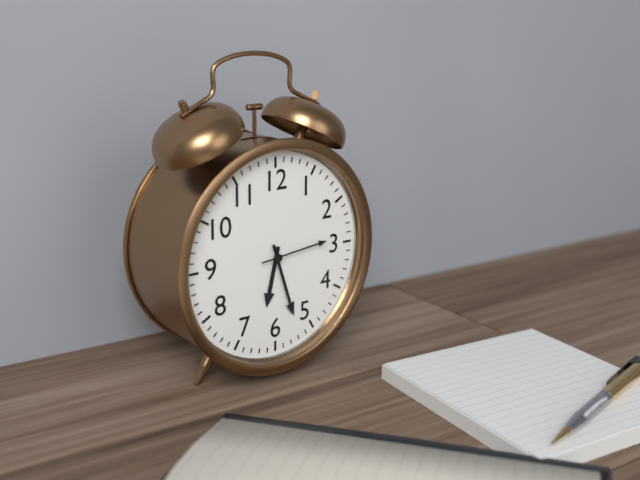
6:27:14
